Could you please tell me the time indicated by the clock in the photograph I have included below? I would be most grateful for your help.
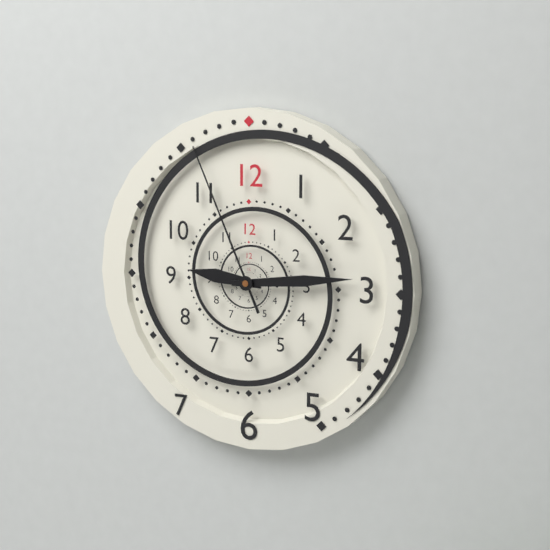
9:14:56
